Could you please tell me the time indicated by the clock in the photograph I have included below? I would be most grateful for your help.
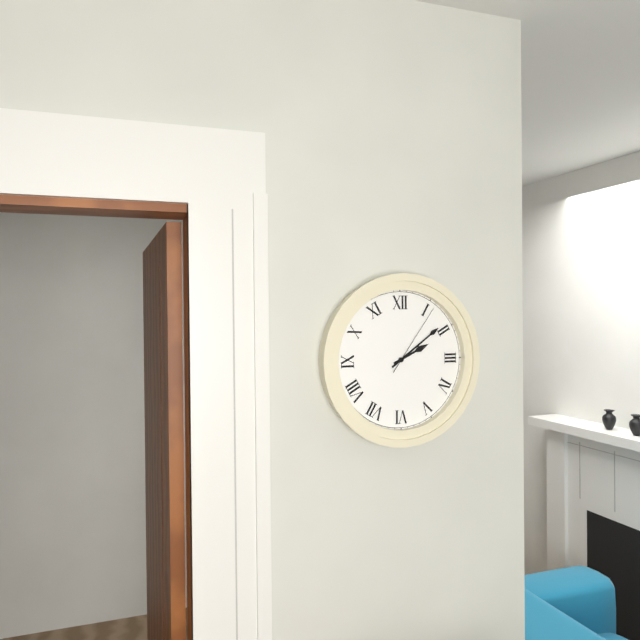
2:09:06
